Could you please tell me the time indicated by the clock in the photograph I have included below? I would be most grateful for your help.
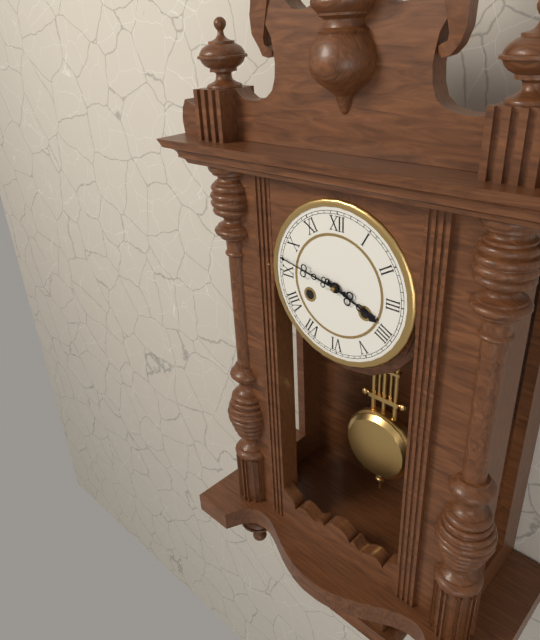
3:47
